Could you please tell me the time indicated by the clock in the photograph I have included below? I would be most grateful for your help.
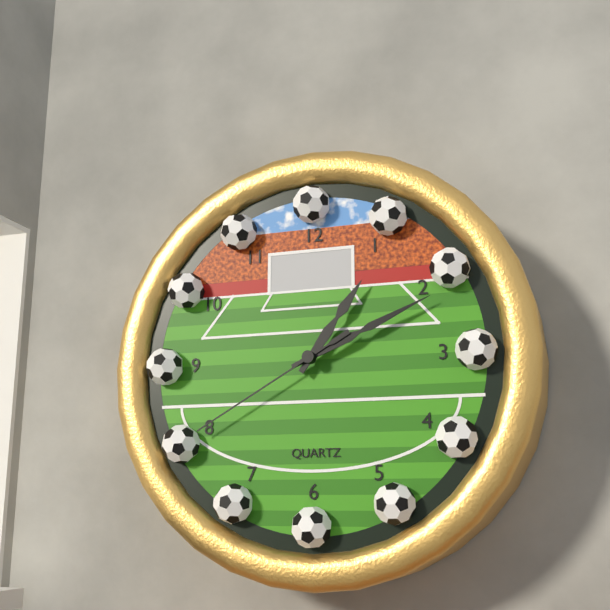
1:11:40
